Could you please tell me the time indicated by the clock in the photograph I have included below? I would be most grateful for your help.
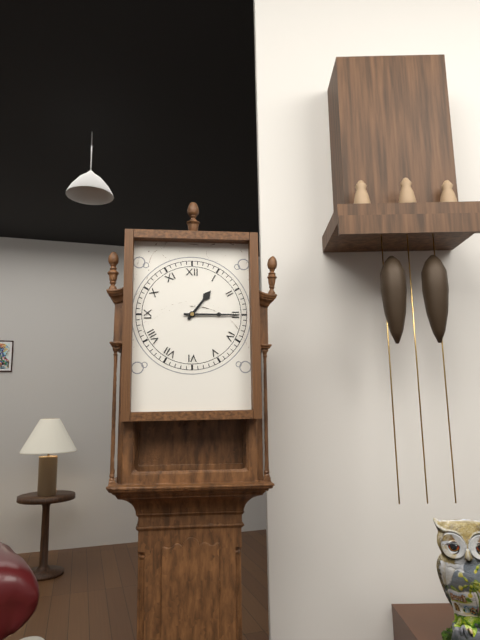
1:15
